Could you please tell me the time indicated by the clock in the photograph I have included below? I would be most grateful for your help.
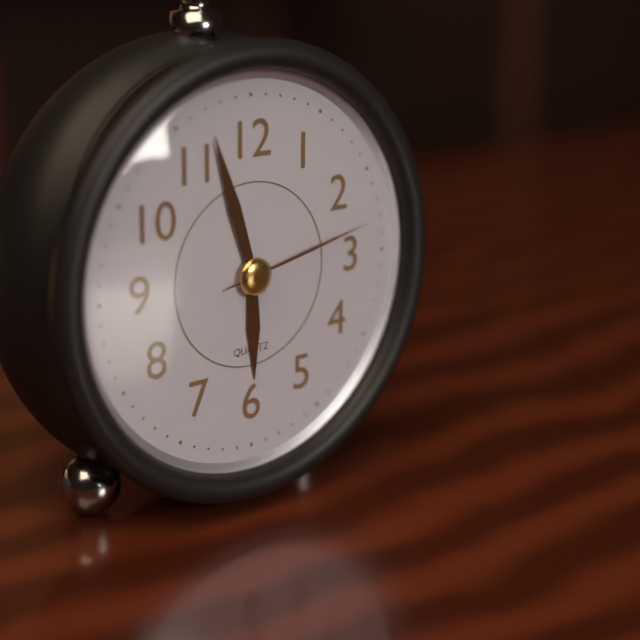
5:57:13
